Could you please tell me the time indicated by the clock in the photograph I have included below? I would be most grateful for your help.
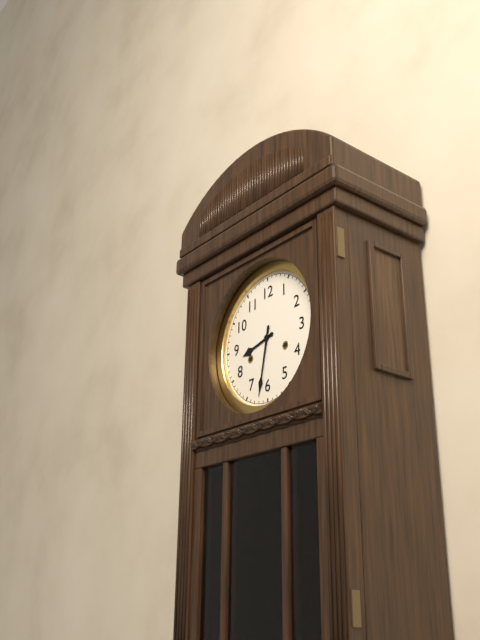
8:32
